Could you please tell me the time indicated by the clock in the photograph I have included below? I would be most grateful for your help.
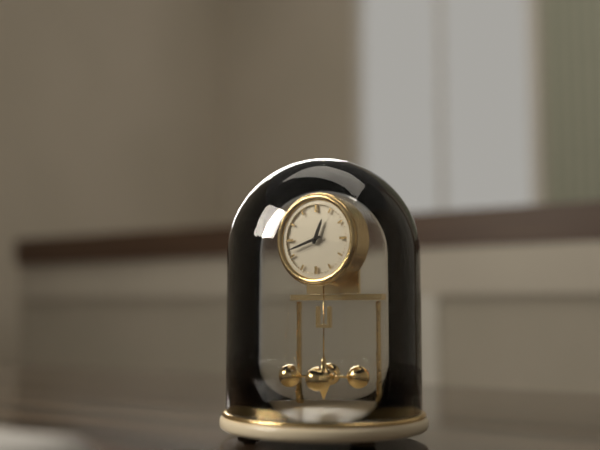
12:42
